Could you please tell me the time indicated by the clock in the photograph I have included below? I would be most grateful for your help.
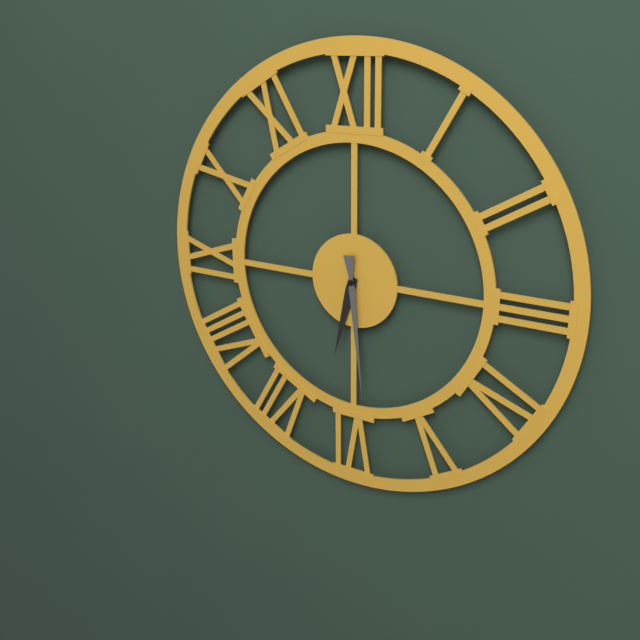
6:29
